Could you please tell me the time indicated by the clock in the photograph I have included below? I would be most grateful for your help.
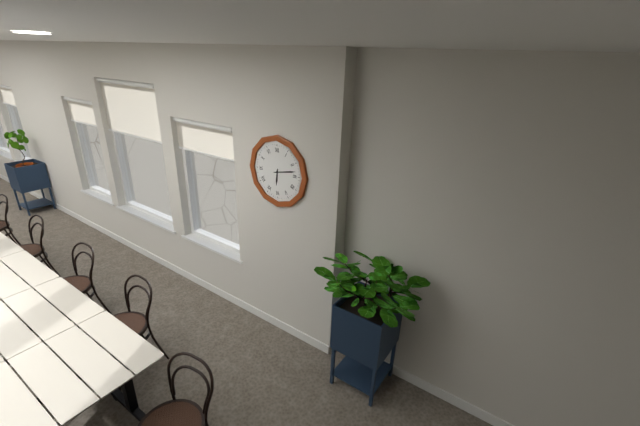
6:13
